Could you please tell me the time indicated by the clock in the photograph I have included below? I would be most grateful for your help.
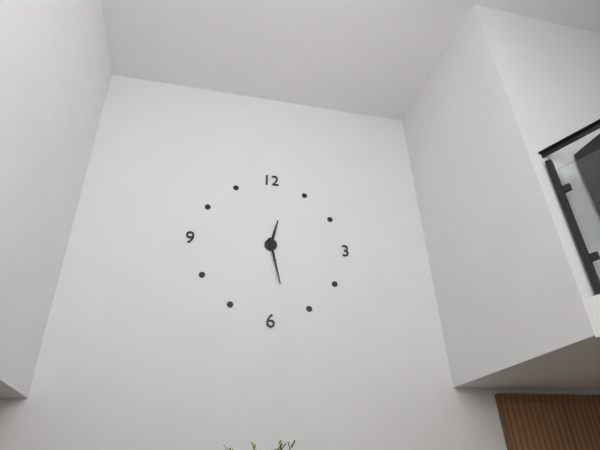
12:28
